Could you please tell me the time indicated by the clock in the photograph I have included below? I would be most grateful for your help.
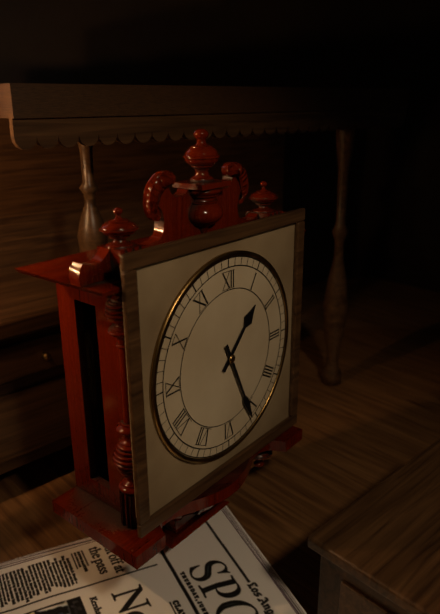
1:26
